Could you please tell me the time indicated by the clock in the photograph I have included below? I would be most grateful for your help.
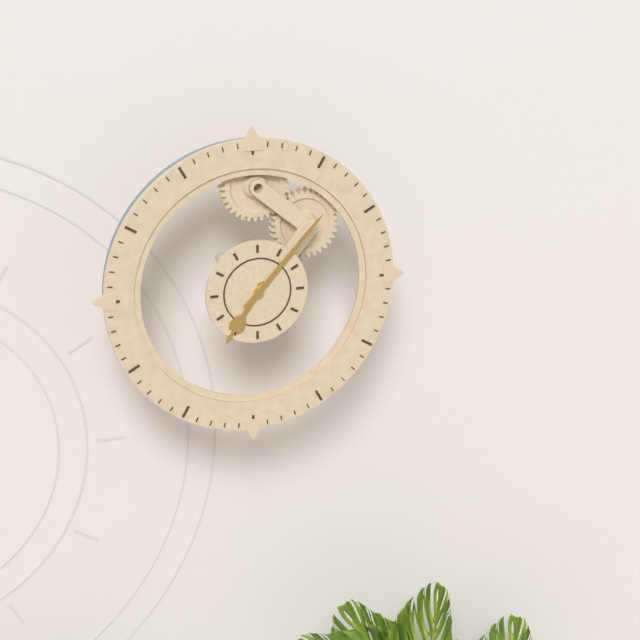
7:07
